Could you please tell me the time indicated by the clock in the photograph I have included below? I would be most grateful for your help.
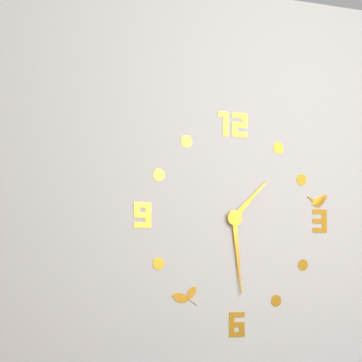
1:29
